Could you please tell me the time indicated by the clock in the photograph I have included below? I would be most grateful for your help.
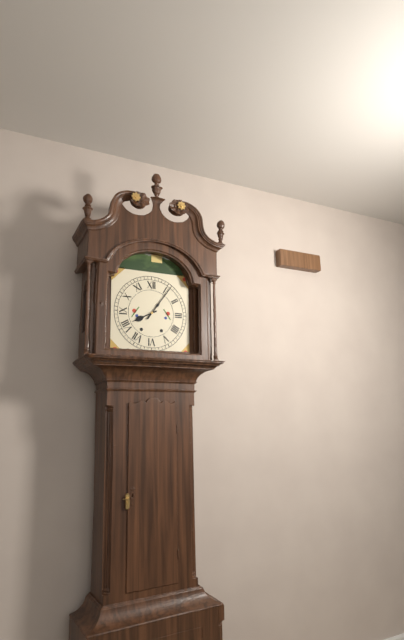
8:06
